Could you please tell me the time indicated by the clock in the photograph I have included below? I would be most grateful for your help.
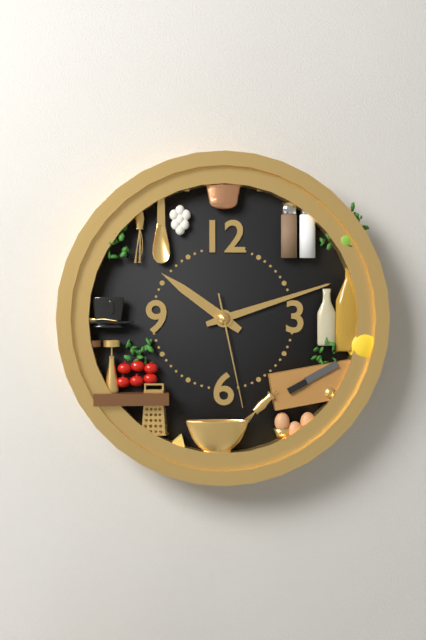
10:12:28
